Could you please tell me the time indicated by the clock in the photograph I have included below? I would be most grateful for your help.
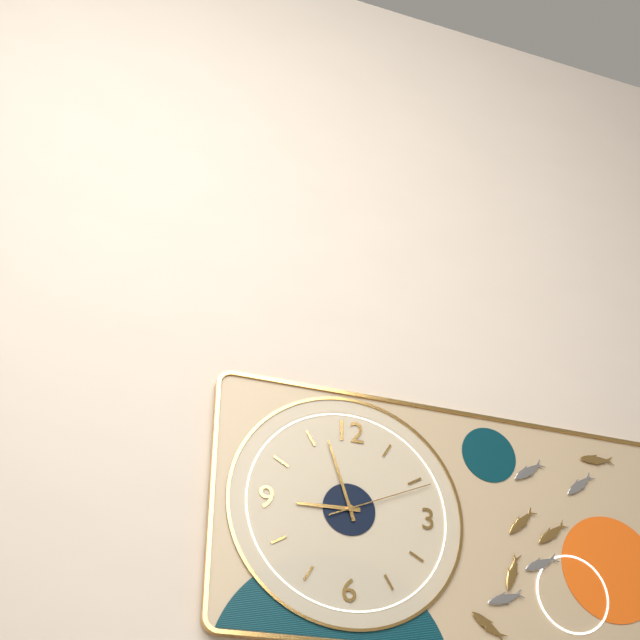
8:57:11
